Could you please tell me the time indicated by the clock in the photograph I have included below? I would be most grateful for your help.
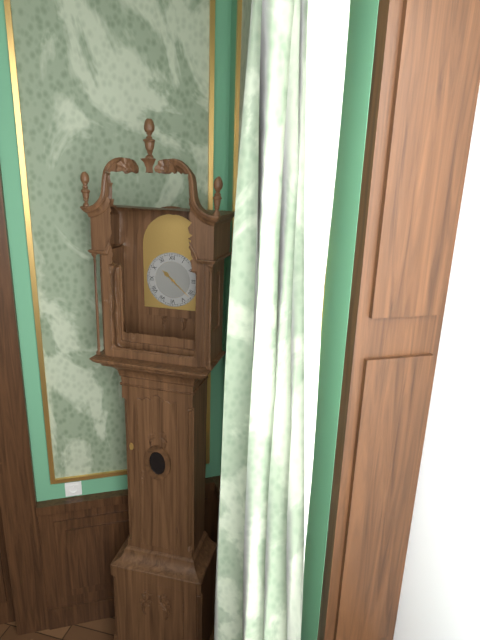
10:22
